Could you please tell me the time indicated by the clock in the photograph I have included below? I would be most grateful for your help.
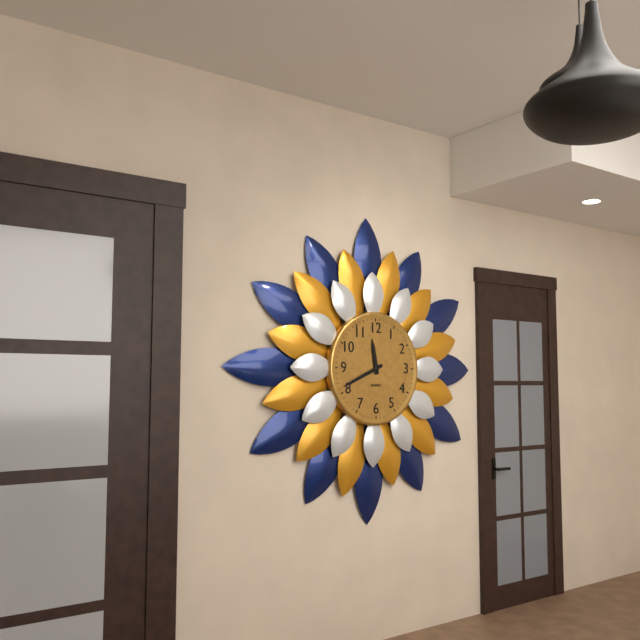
11:41
